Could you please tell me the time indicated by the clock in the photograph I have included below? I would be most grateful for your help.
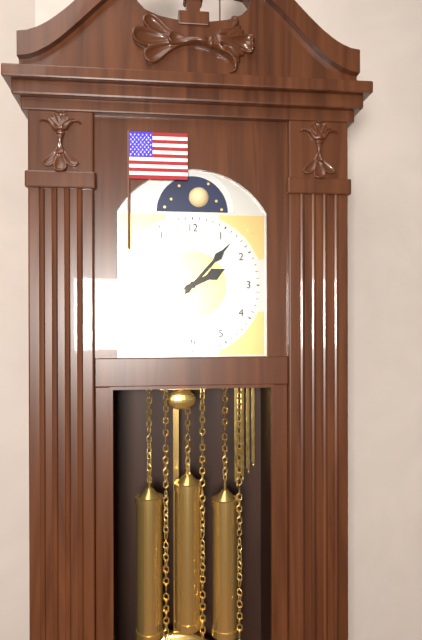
2:07
